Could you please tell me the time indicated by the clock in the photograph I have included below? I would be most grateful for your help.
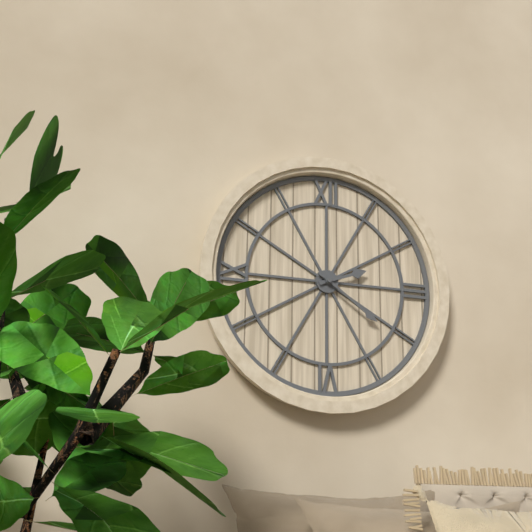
2:21
